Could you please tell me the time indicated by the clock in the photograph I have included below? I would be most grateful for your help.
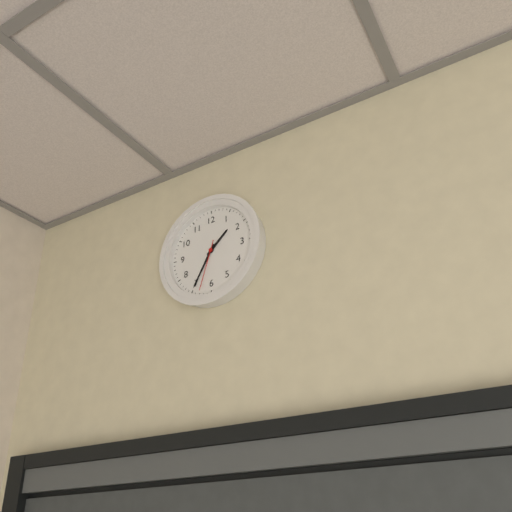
1:35:33
